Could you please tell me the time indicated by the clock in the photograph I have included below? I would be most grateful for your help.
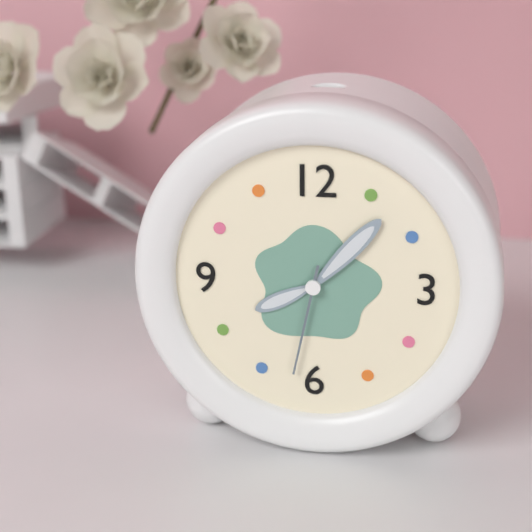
8:07:32
